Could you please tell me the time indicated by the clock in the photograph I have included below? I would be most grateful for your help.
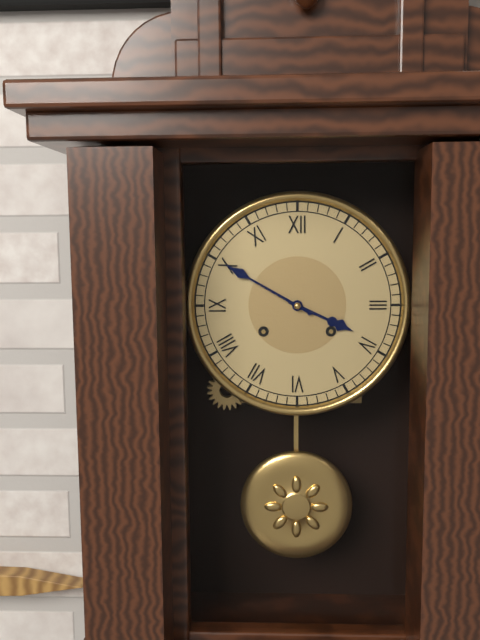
3:50
